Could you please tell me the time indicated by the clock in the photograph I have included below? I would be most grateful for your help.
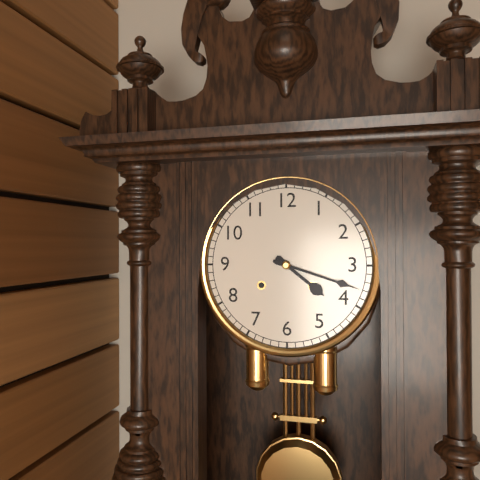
4:18
